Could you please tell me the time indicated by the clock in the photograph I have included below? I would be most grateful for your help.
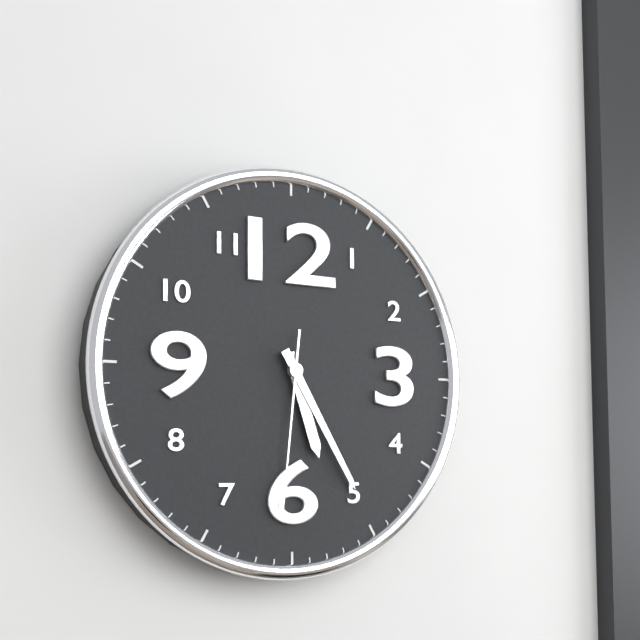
5:25:31
